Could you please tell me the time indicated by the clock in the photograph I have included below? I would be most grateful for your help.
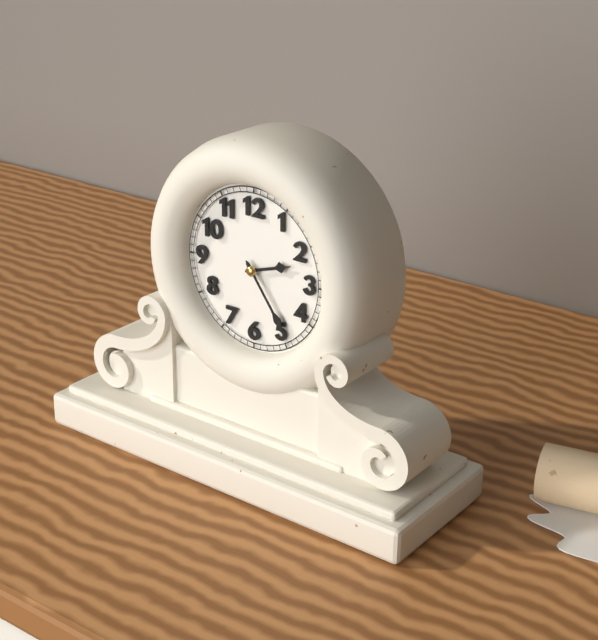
2:24
